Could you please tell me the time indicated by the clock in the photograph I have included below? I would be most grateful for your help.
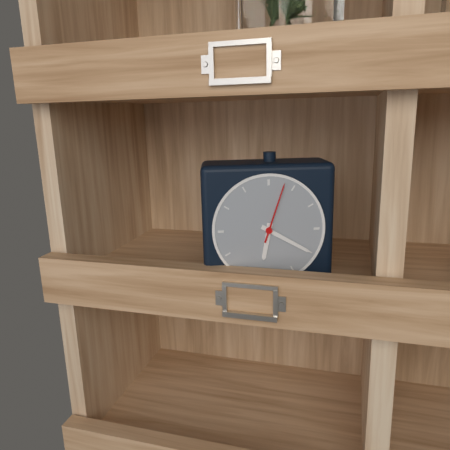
6:20:03
